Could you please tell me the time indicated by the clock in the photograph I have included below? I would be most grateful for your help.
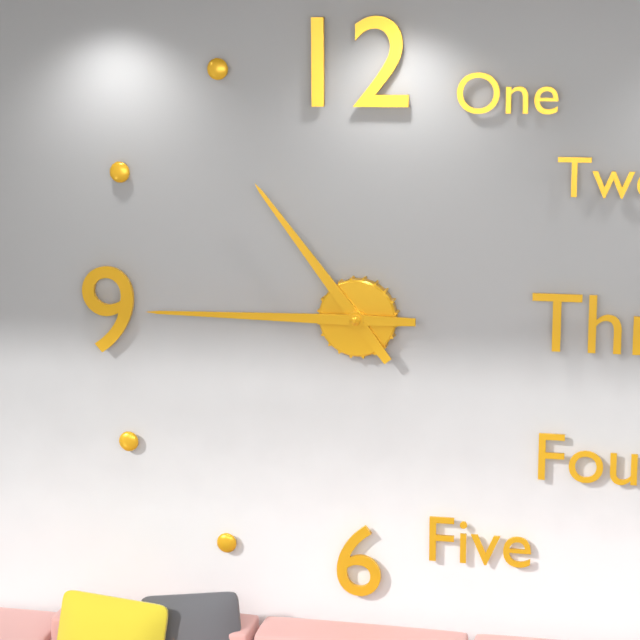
10:45
